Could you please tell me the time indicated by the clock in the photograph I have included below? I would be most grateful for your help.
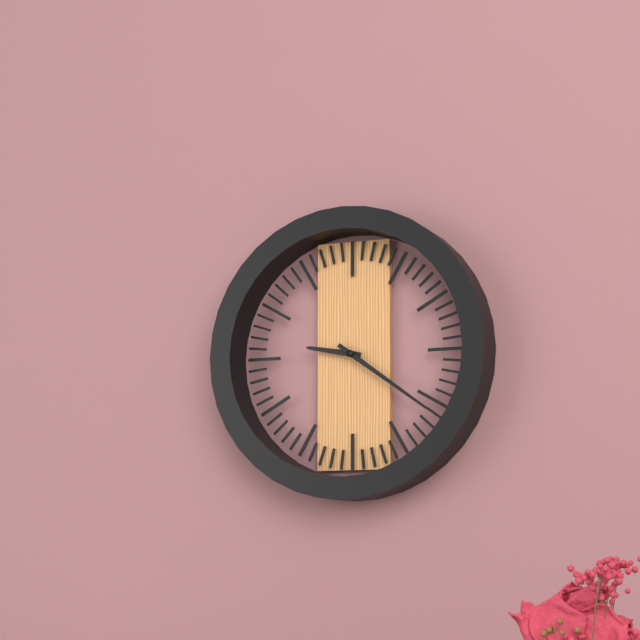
9:21
